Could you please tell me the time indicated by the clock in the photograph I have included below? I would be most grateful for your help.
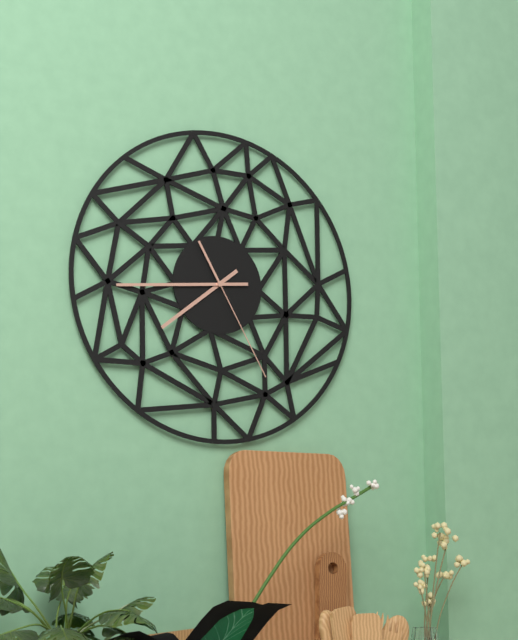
7:44:25
